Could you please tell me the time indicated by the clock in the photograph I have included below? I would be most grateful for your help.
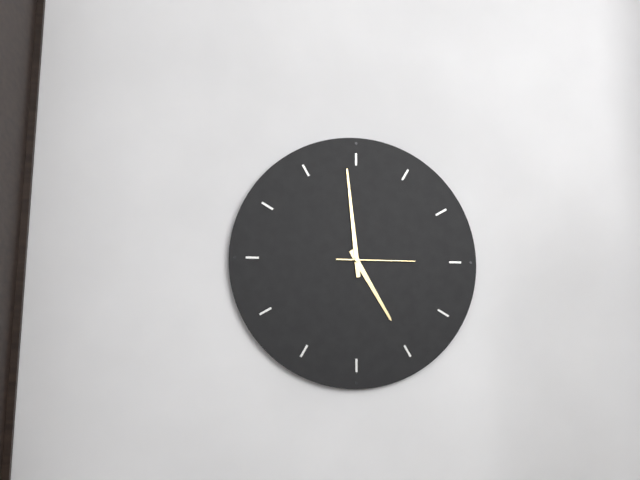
4:59:15
